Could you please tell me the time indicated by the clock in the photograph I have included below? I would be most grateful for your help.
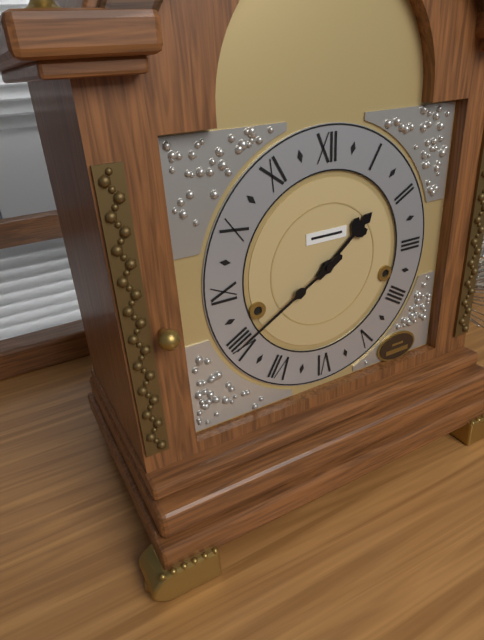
1:40
